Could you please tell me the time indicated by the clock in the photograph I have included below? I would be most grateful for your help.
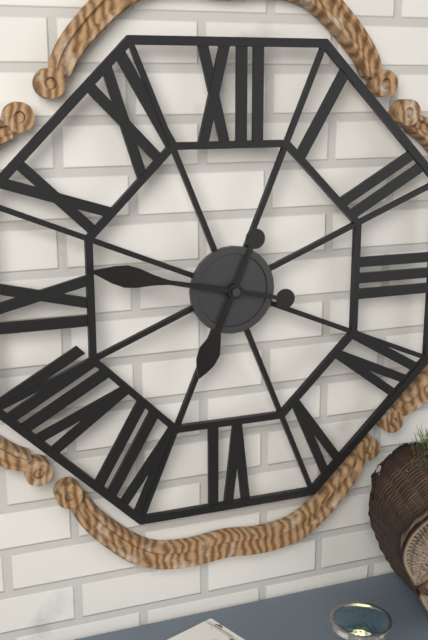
6:47
